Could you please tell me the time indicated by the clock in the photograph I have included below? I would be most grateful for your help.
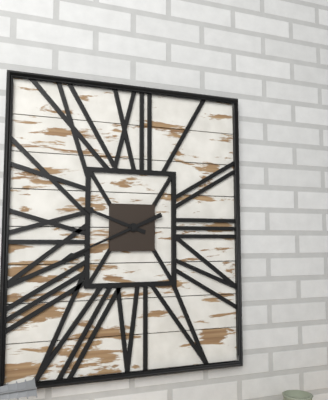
9:41
